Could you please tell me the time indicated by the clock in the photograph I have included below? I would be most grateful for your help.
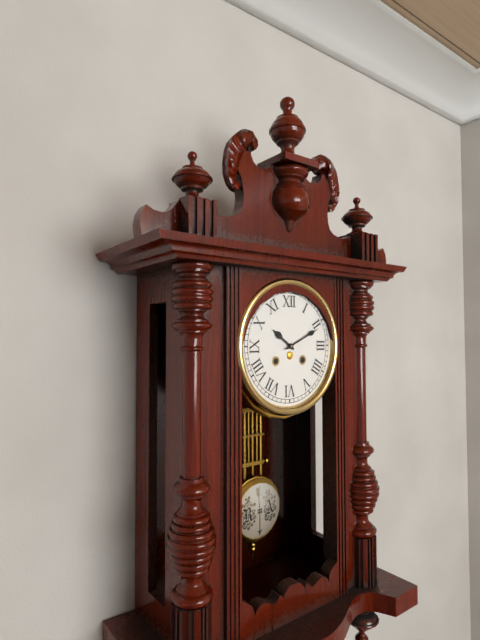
10:11
